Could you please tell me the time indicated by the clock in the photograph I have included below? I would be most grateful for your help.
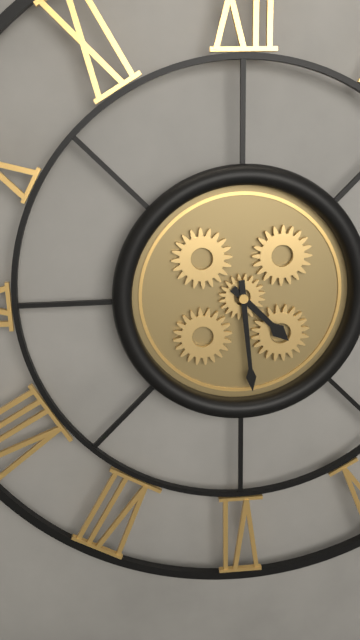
4:29
